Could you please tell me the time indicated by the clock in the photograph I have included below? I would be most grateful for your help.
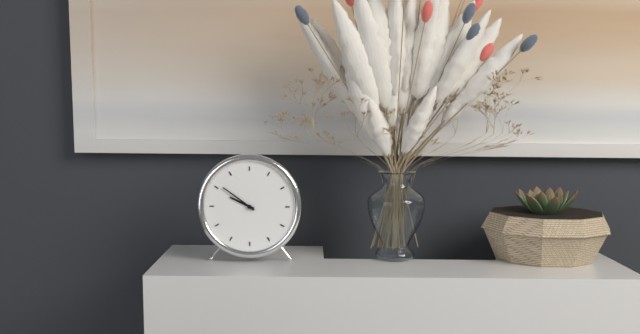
9:51
